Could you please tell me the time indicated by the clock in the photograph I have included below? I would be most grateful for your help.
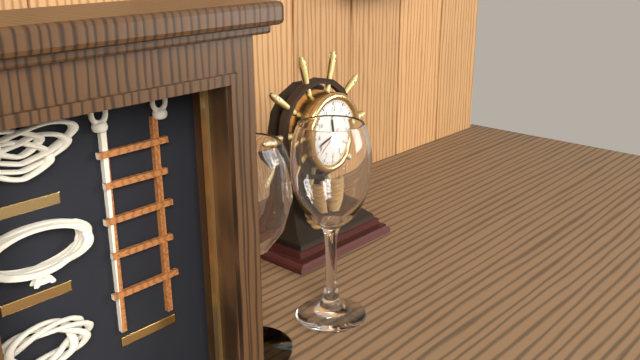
11:42
